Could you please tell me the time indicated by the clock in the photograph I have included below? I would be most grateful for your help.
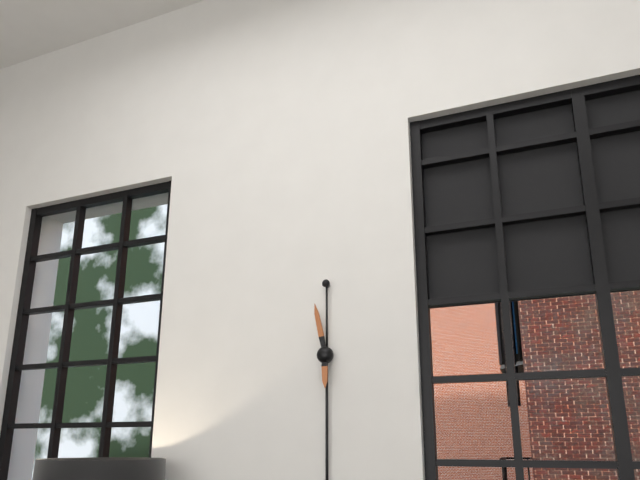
5:58
